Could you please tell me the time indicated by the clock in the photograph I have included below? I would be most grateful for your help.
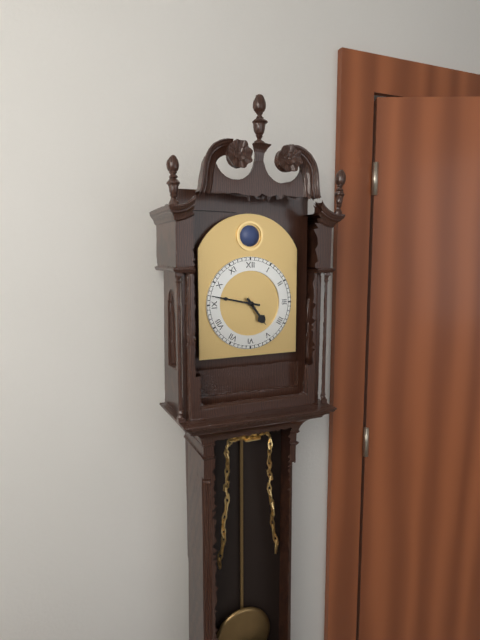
4:47
